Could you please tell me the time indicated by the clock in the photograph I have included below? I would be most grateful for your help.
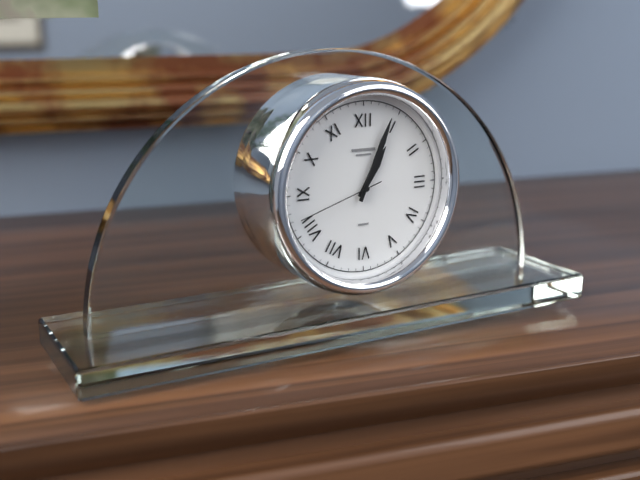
1:04:42
